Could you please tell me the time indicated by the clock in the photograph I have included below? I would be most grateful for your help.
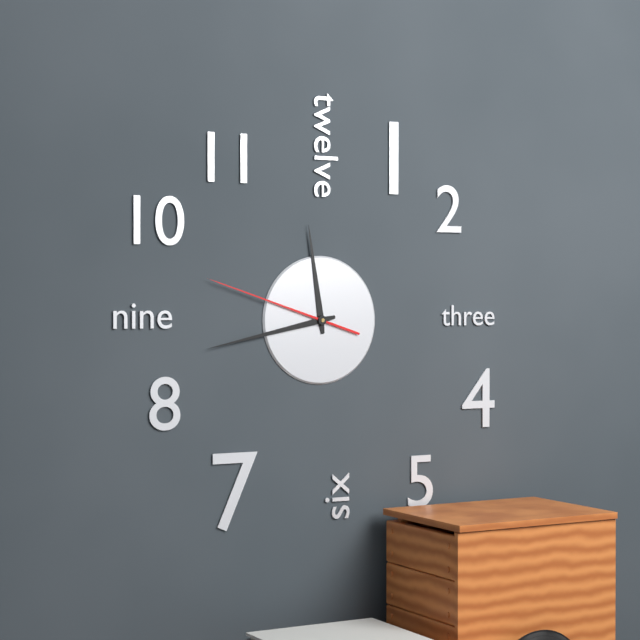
11:43:48
